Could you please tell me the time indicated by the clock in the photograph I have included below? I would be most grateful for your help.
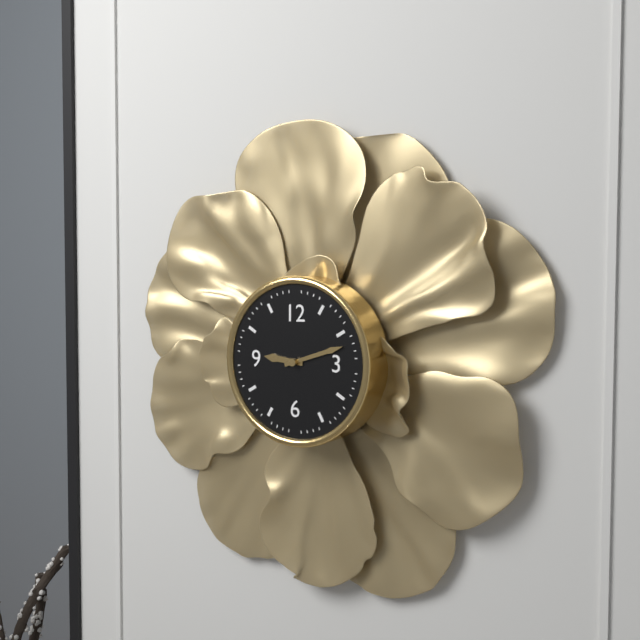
9:12
